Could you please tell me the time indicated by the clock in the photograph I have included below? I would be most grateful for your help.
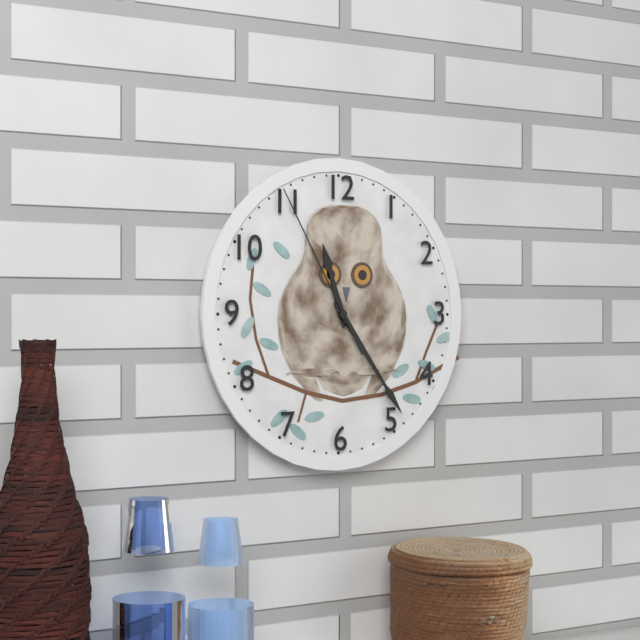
11:24:55
